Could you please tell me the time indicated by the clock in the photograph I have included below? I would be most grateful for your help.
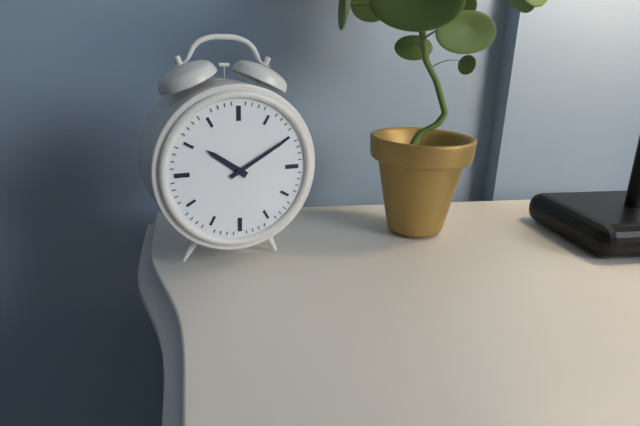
10:10
